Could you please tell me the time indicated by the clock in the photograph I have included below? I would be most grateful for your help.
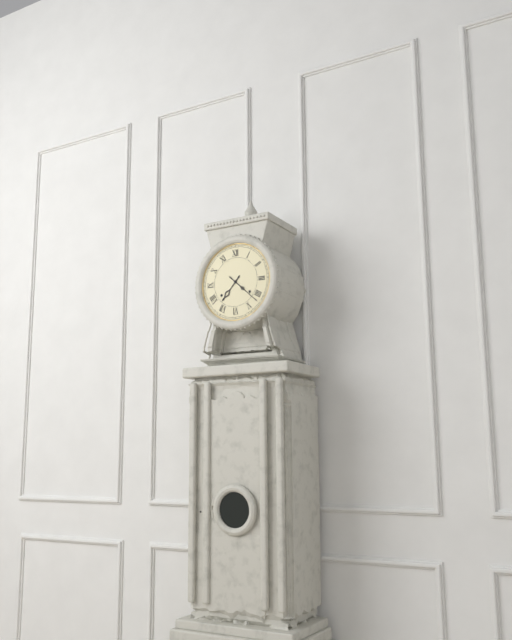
7:22
